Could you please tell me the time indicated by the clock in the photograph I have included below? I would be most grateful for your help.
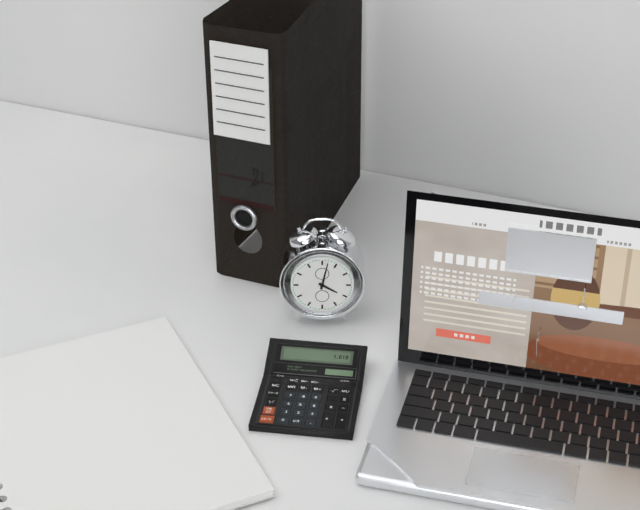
4:02
